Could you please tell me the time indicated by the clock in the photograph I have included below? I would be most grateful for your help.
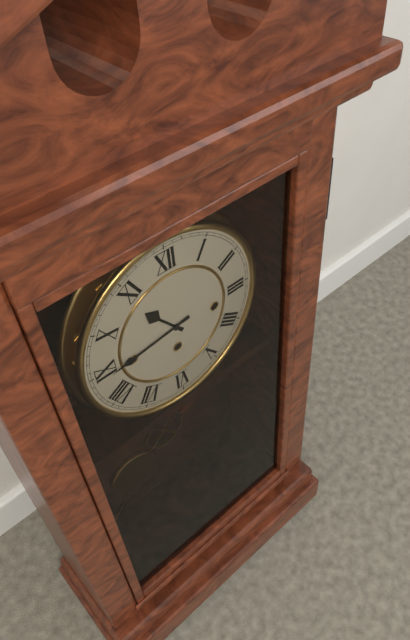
10:44
